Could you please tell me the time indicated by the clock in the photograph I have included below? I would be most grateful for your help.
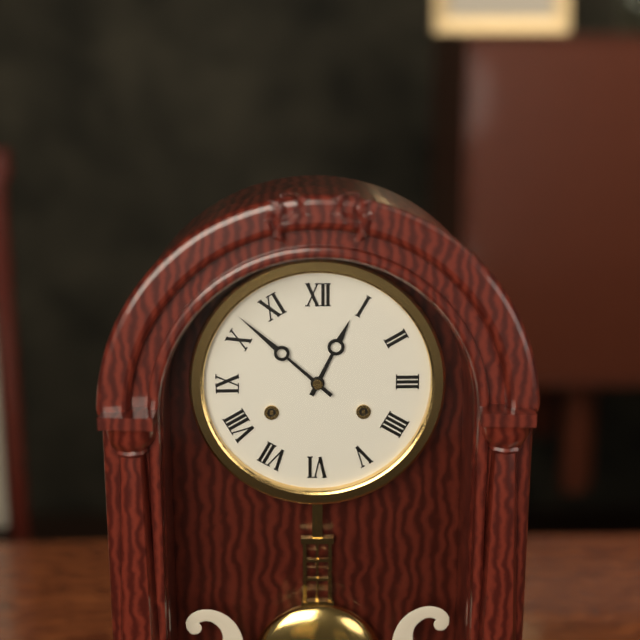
12:52
